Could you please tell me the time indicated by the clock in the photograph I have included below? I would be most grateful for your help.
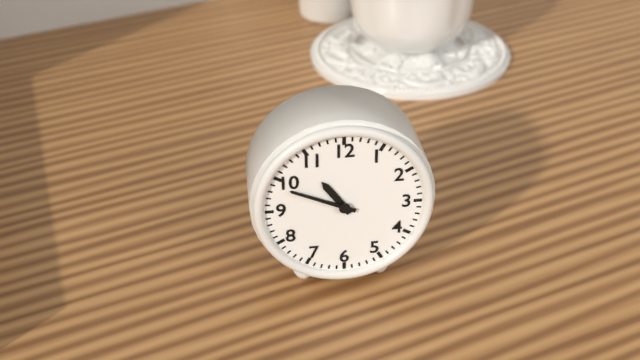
10:49
